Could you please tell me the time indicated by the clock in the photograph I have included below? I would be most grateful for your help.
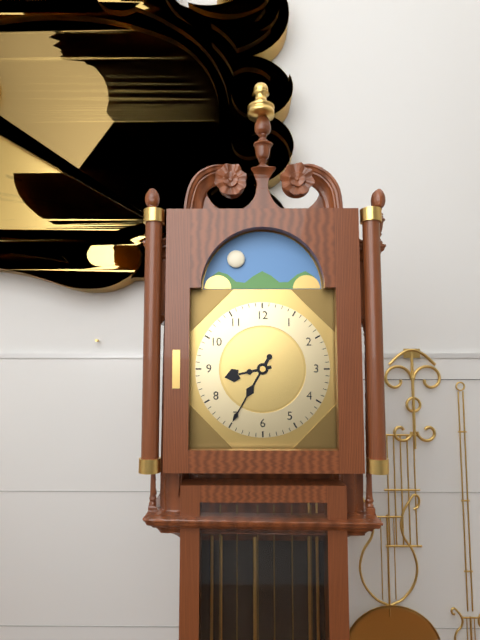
8:35
